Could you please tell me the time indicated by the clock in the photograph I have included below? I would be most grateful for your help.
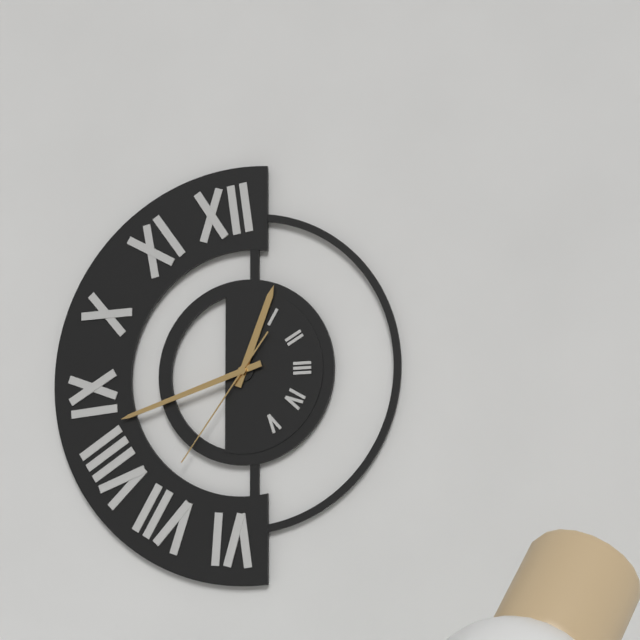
12:42:36
